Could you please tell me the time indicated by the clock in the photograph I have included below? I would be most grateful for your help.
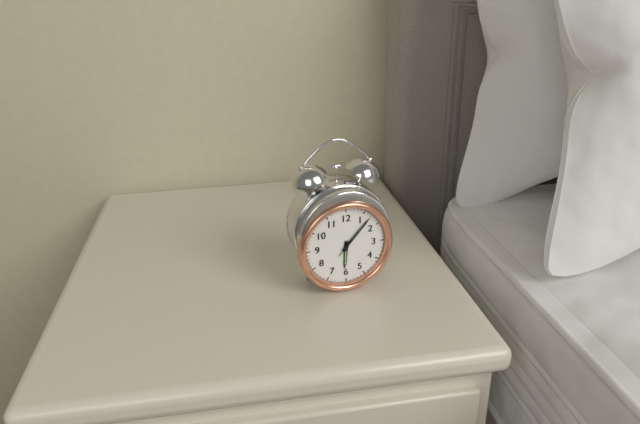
6:07
